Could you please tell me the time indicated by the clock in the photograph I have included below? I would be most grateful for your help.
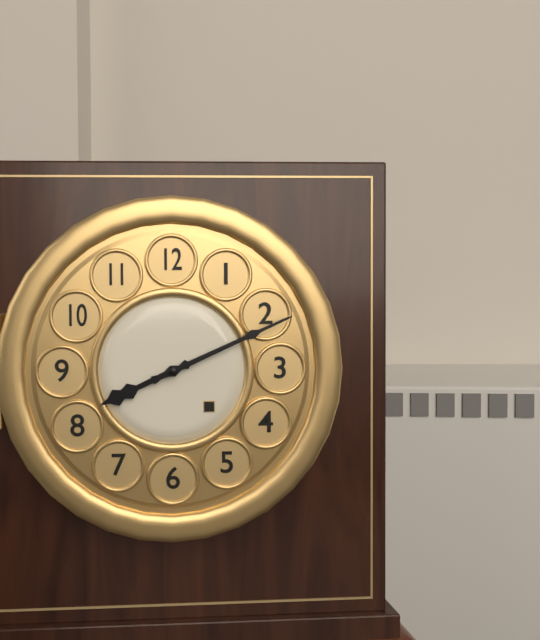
8:11
